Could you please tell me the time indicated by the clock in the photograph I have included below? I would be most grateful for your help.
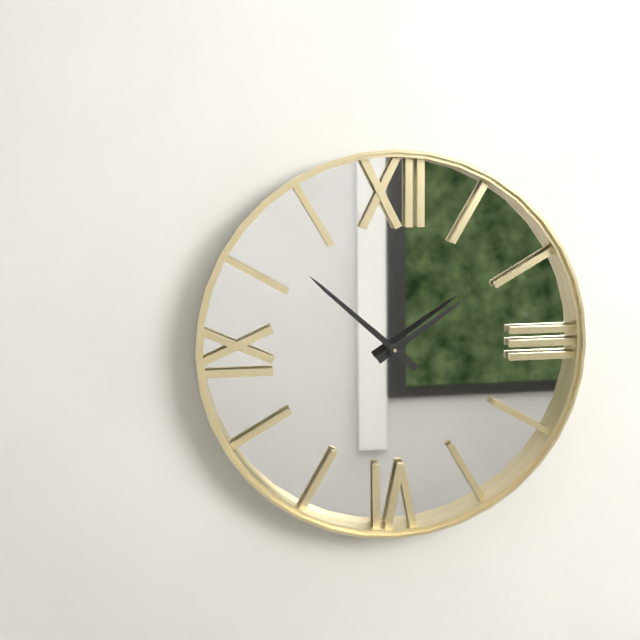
1:52
